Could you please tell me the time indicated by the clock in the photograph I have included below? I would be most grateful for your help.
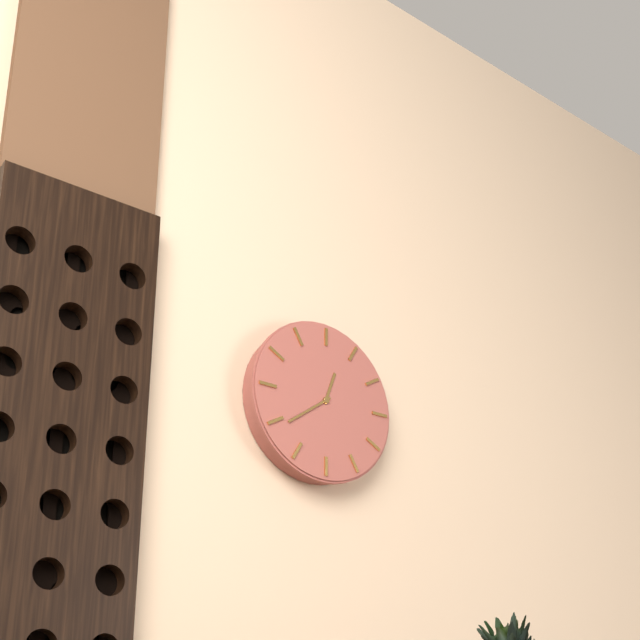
12:39
